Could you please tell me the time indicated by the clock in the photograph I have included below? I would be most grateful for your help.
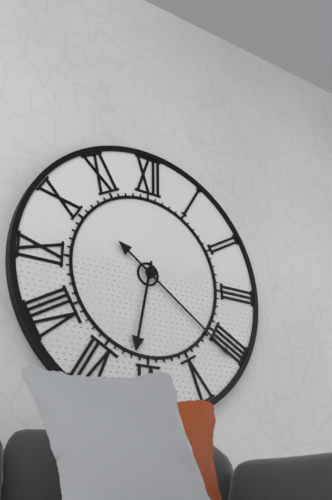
6:21
